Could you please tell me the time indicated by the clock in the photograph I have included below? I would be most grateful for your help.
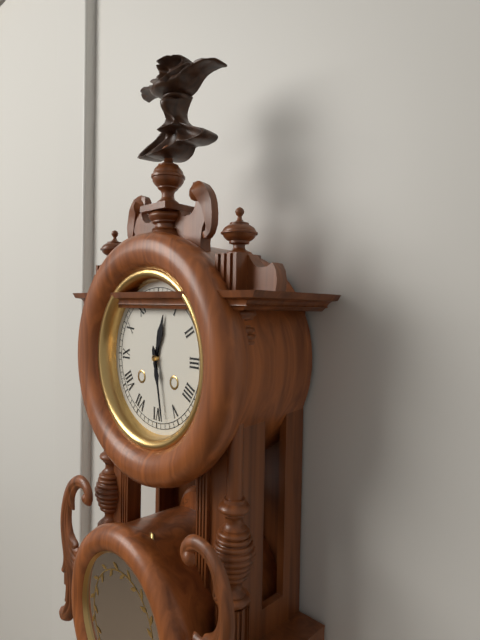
12:28
